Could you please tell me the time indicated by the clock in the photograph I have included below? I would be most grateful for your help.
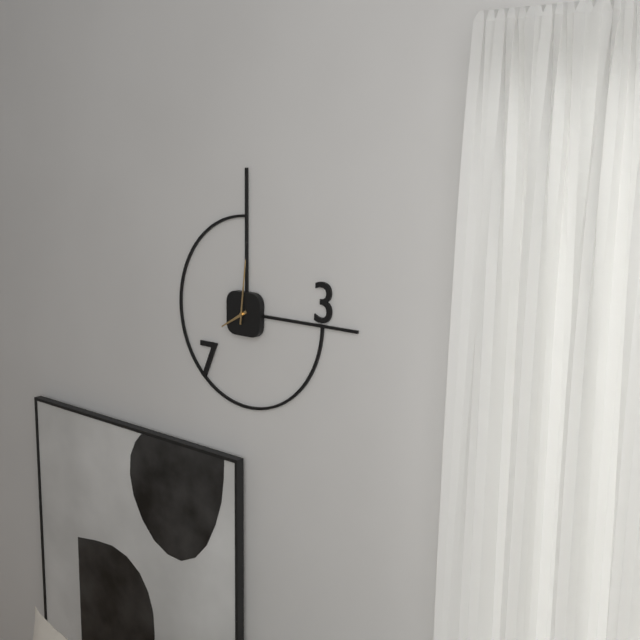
8:01
